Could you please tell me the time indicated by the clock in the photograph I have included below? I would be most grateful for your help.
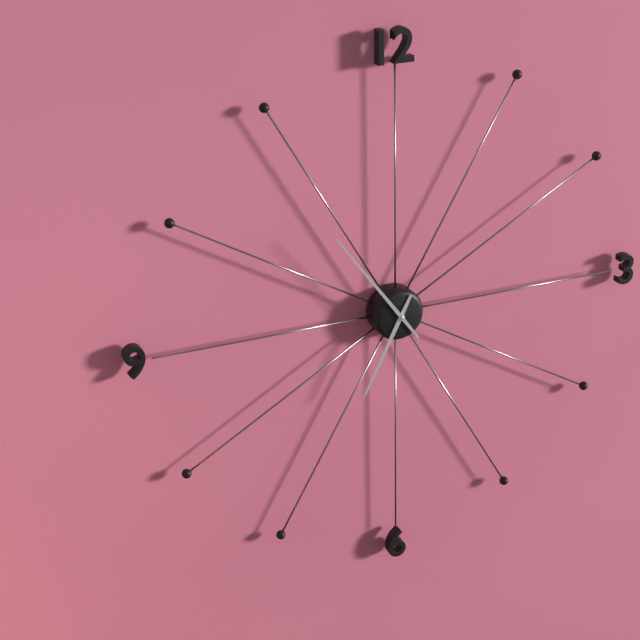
6:54
